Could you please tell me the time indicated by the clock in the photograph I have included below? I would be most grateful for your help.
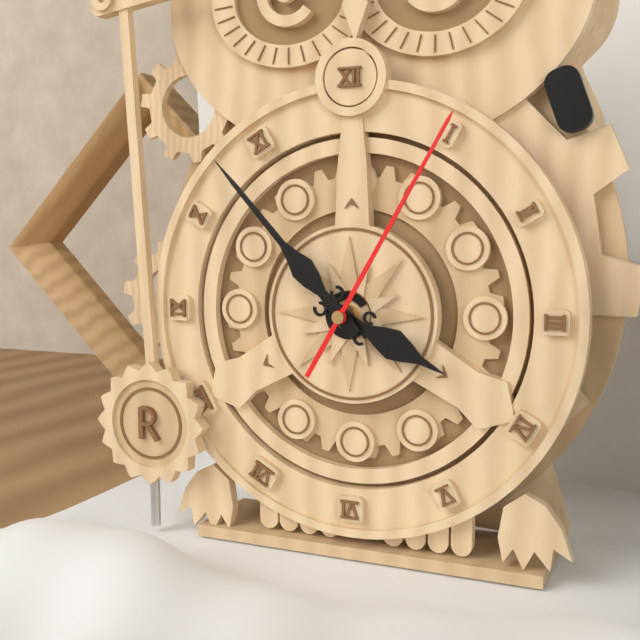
3:53:05
